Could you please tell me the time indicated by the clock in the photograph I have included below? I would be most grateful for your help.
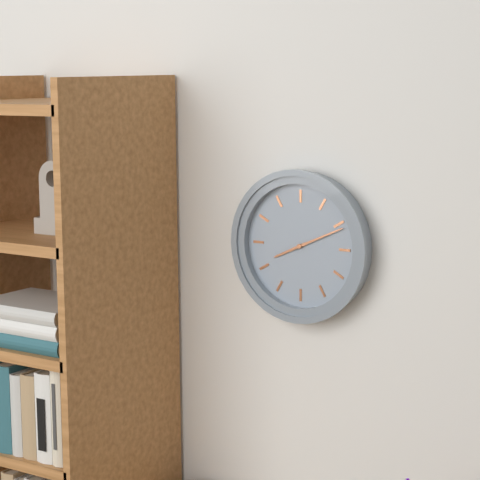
8:11
